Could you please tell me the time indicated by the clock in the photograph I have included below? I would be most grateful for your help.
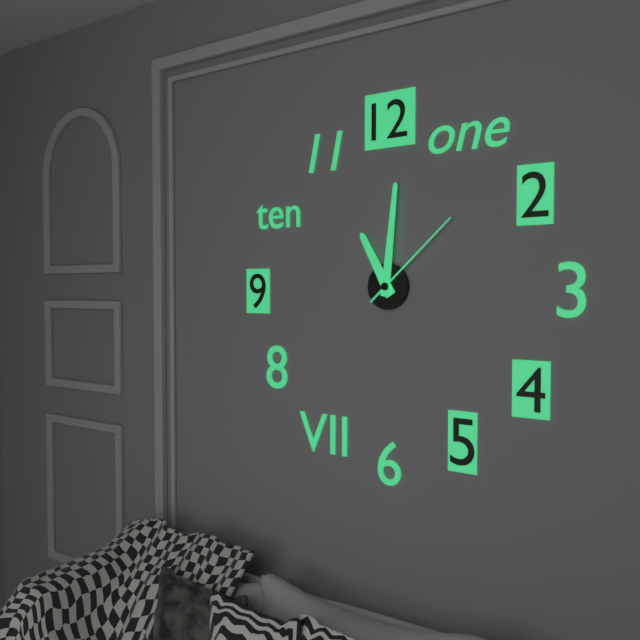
11:01:08
